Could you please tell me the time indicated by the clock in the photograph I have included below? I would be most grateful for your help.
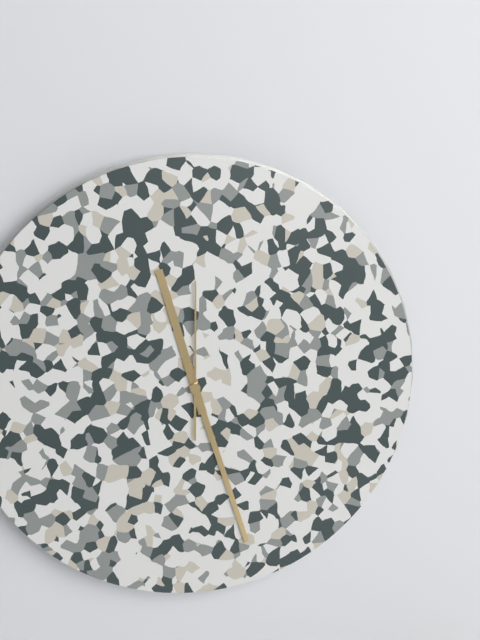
11:27:00
